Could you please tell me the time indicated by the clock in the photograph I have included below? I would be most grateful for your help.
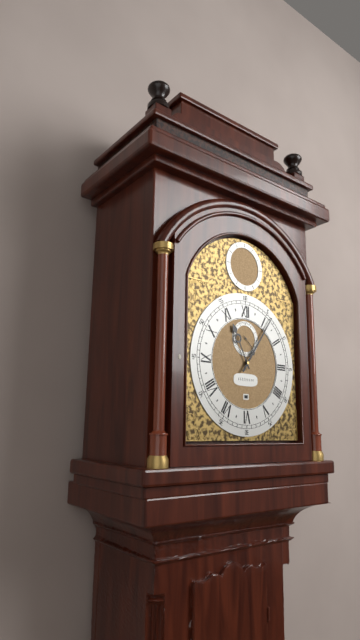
11:06
